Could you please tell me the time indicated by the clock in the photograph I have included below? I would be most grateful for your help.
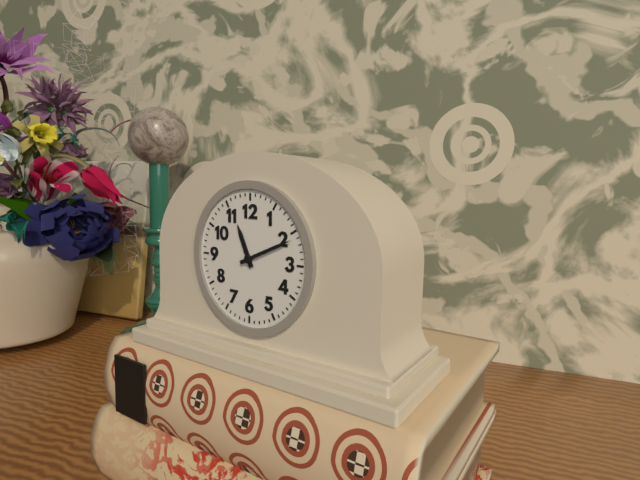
11:11
